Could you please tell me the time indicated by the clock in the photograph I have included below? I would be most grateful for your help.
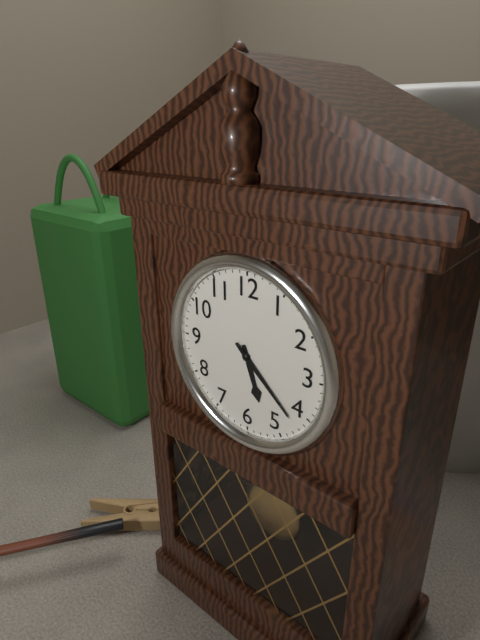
5:22
